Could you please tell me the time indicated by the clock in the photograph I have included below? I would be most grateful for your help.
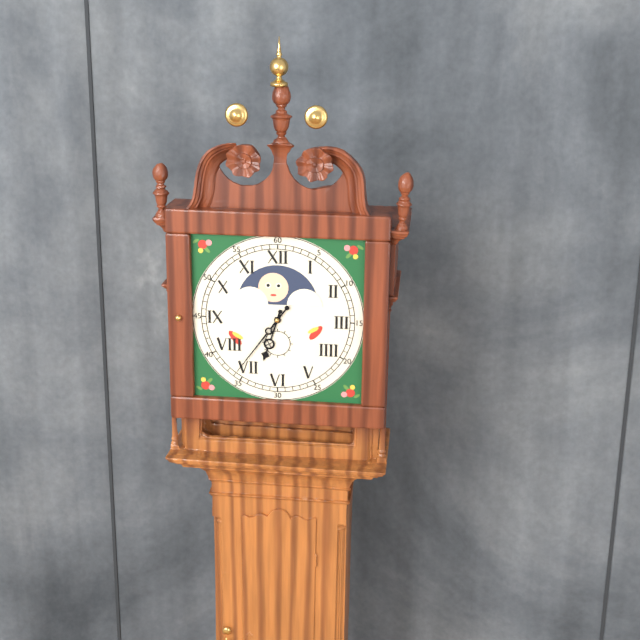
6:36
